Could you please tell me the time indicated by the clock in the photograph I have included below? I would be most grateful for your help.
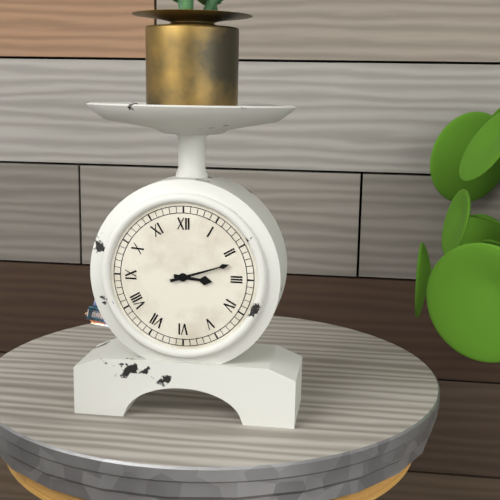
3:12
